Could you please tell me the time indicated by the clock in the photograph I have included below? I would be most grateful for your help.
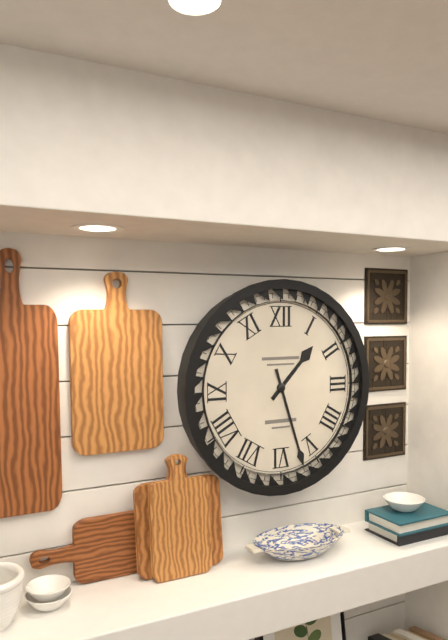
1:27
